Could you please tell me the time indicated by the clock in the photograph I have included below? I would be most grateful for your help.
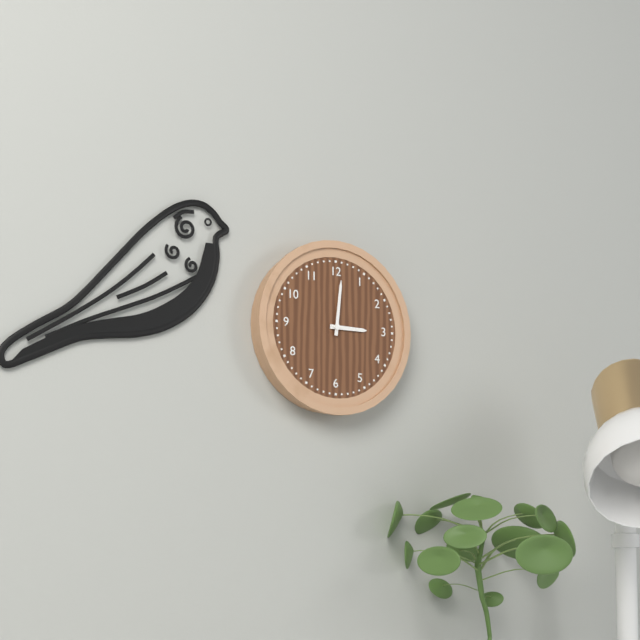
3:01
